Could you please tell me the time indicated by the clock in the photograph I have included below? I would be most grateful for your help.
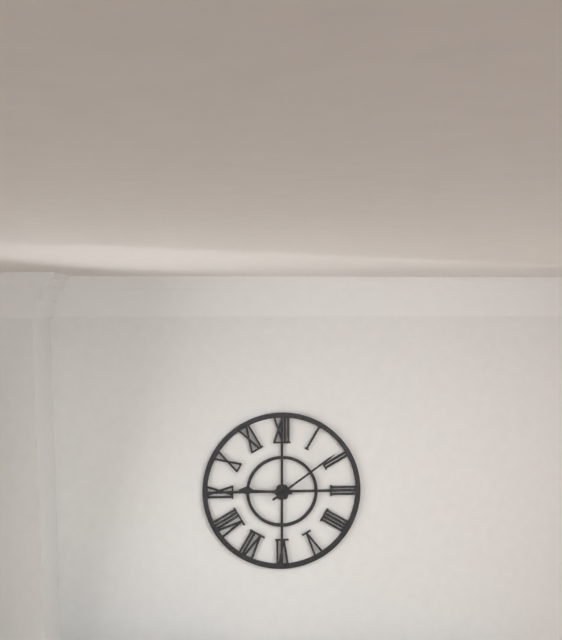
9:09
